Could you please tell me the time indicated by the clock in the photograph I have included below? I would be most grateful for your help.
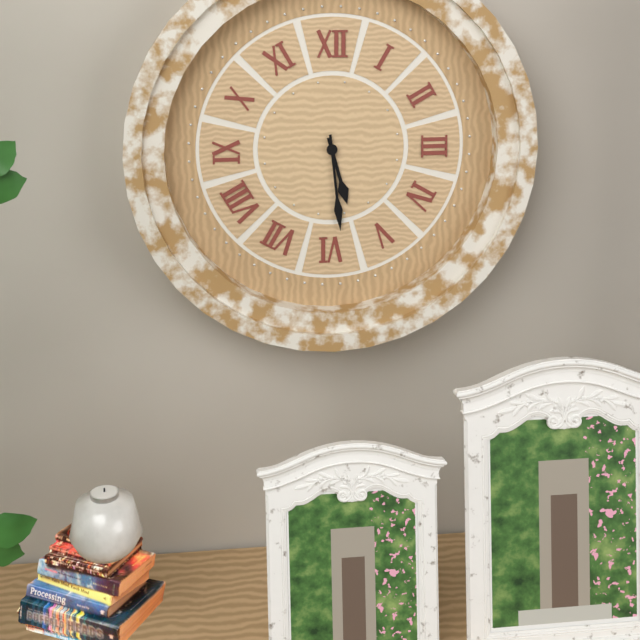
5:29
